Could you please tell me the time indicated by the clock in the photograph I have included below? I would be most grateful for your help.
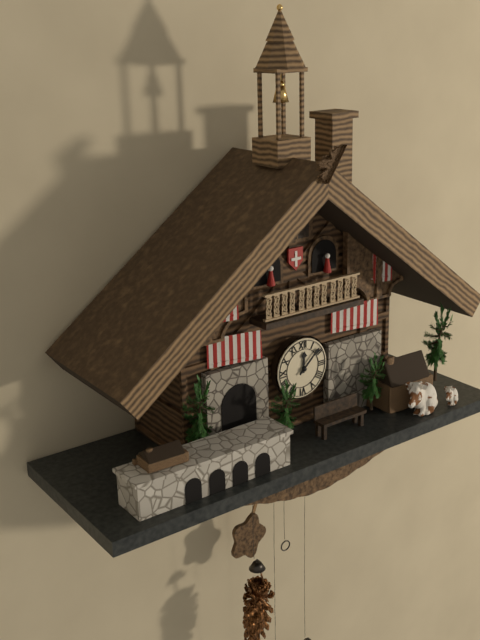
12:08
